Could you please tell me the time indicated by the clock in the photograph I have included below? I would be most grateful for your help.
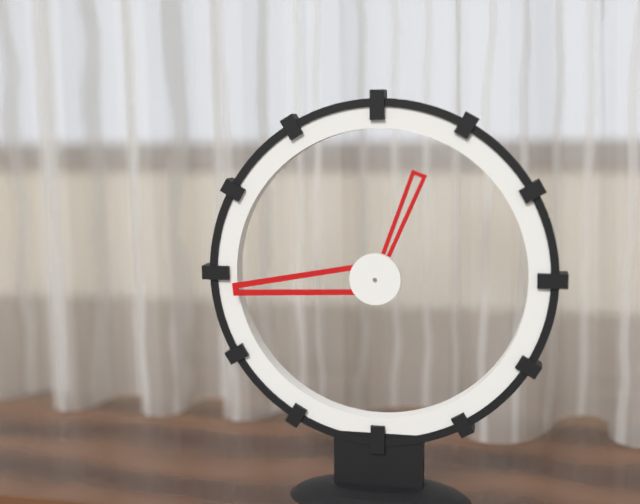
12:44
